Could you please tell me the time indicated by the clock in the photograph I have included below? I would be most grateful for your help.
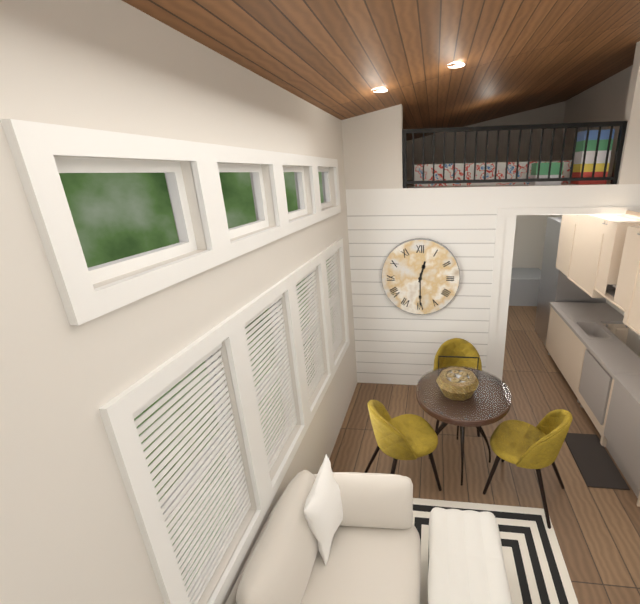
12:30
